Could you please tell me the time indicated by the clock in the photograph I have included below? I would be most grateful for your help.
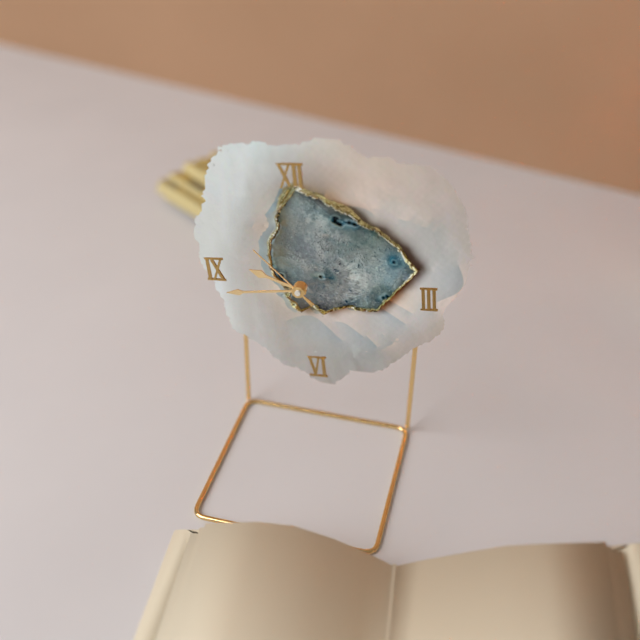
9:44:53
